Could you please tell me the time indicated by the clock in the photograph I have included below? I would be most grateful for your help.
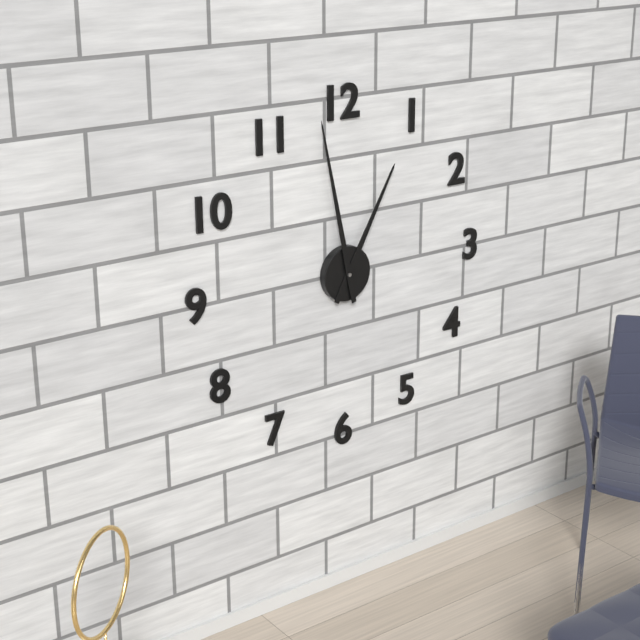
12:58
